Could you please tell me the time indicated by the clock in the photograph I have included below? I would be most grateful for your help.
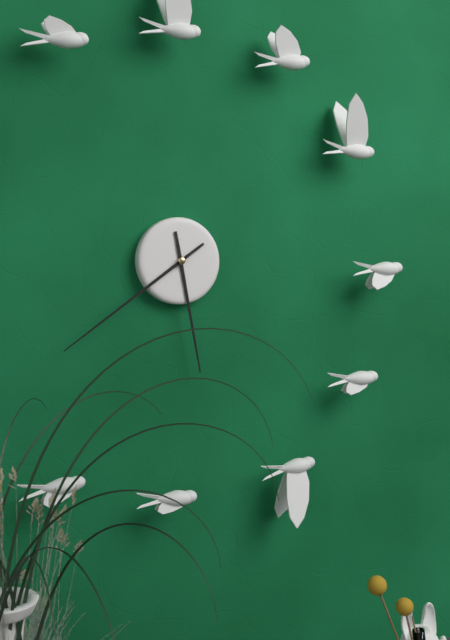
5:39
